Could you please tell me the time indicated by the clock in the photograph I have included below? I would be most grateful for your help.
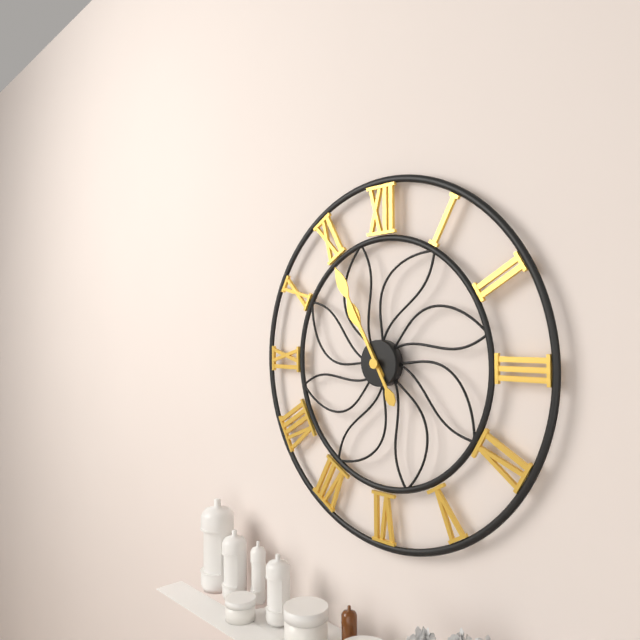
10:55
